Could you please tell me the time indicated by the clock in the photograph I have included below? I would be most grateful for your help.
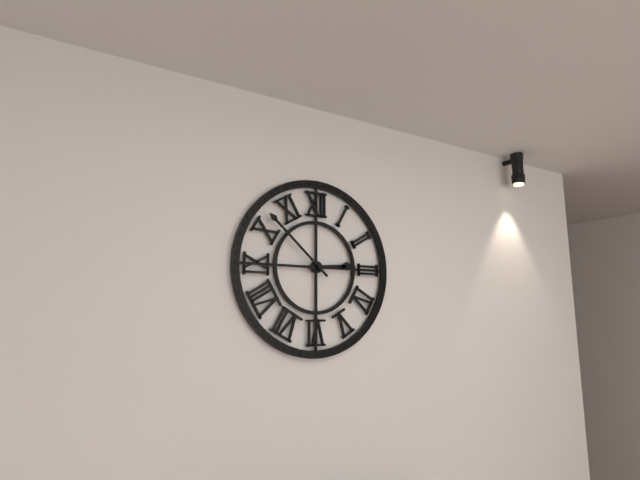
2:52
